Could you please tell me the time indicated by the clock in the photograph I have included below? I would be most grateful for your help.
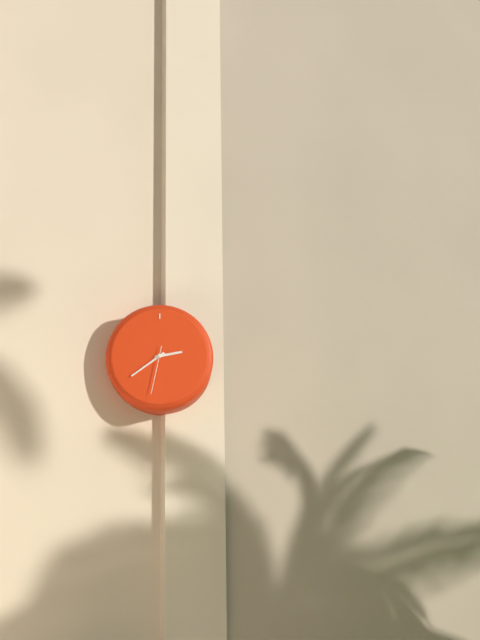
2:39
